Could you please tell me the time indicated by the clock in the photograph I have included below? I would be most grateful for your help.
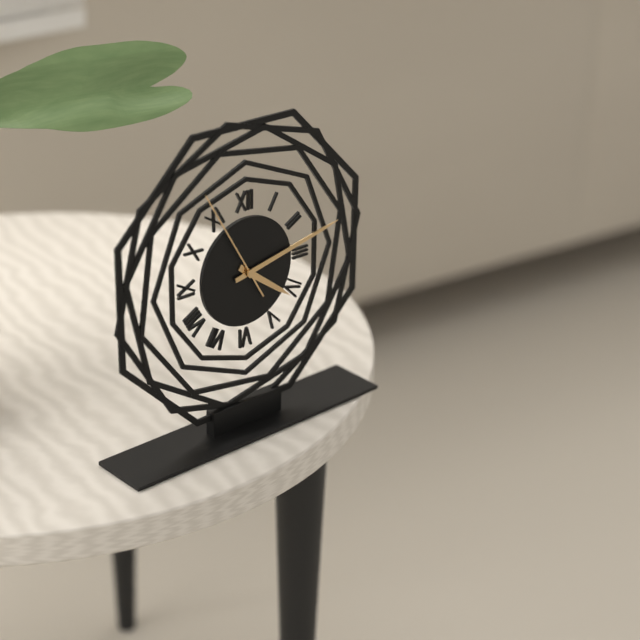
4:13:55
